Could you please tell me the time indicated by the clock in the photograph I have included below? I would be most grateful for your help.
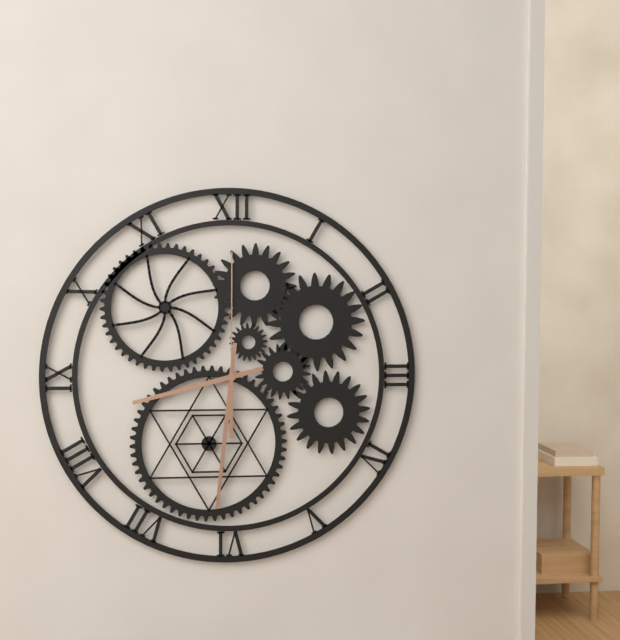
8:31:00
